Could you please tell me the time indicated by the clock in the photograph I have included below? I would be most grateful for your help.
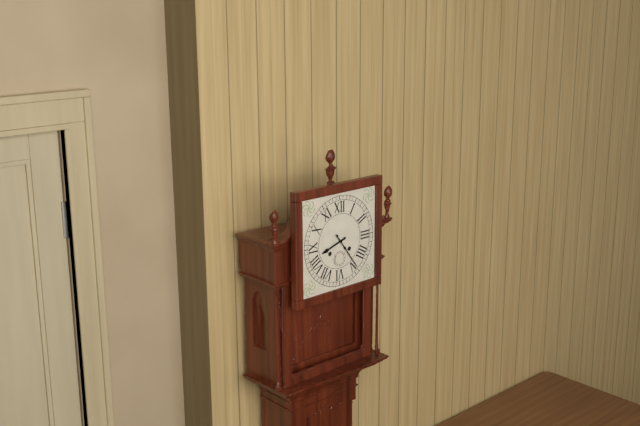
8:24
